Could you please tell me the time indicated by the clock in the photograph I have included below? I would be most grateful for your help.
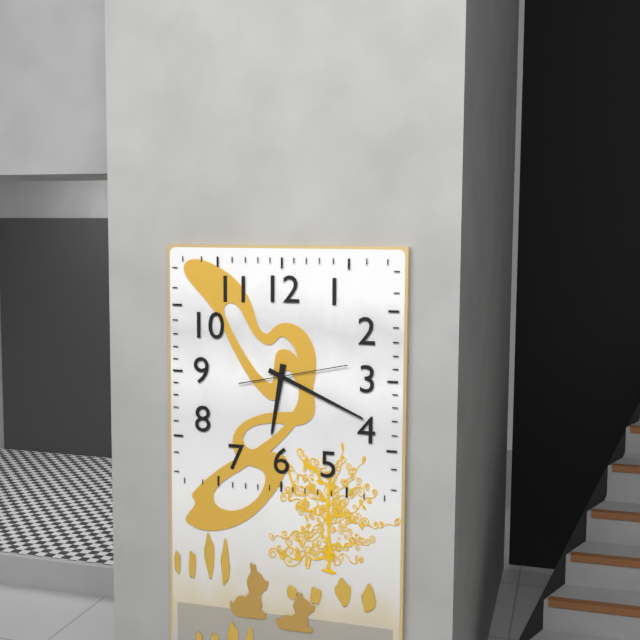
6:19:13
